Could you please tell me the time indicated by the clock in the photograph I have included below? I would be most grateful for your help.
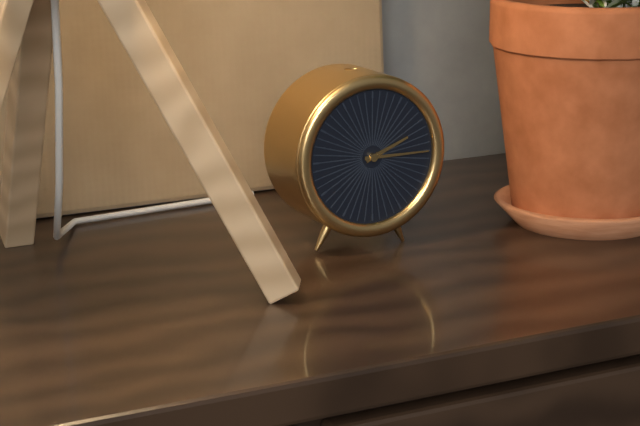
2:15
